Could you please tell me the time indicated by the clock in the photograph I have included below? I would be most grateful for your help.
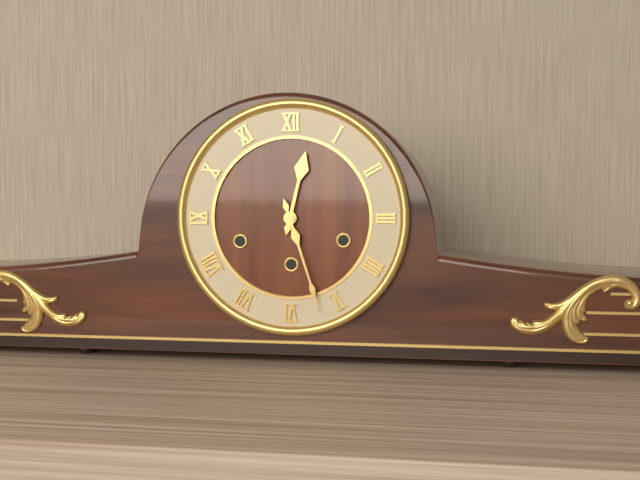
12:27
